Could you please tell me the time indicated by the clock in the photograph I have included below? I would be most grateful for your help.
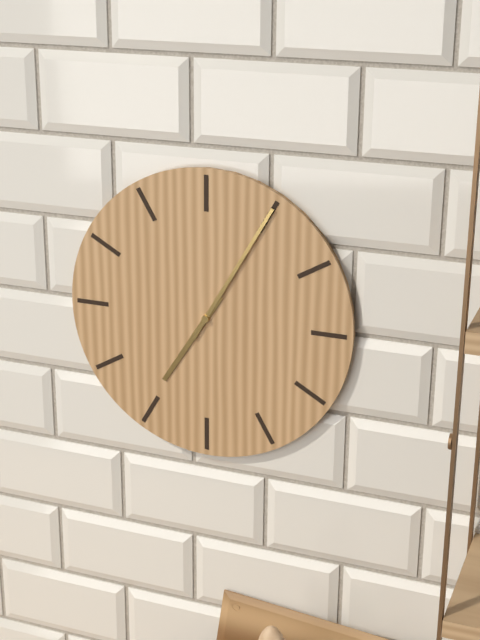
7:05
